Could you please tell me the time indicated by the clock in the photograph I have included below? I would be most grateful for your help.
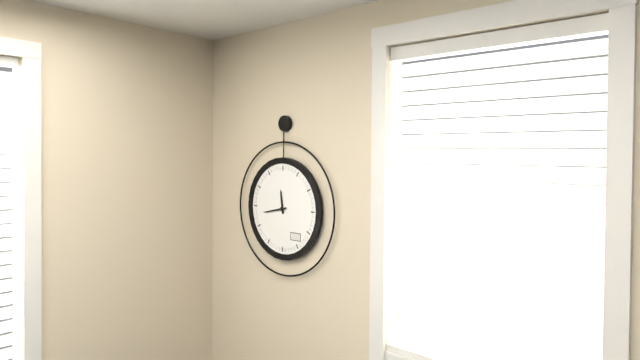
11:43
